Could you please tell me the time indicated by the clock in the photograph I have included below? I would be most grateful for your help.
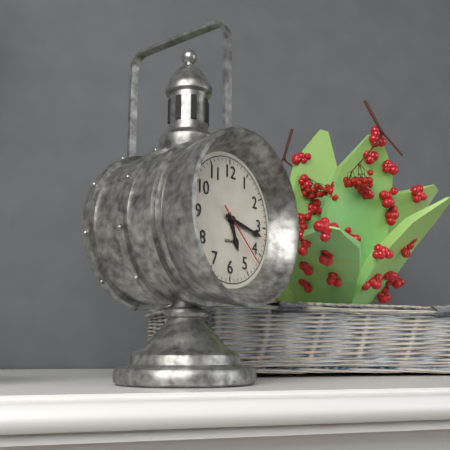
5:17:22
